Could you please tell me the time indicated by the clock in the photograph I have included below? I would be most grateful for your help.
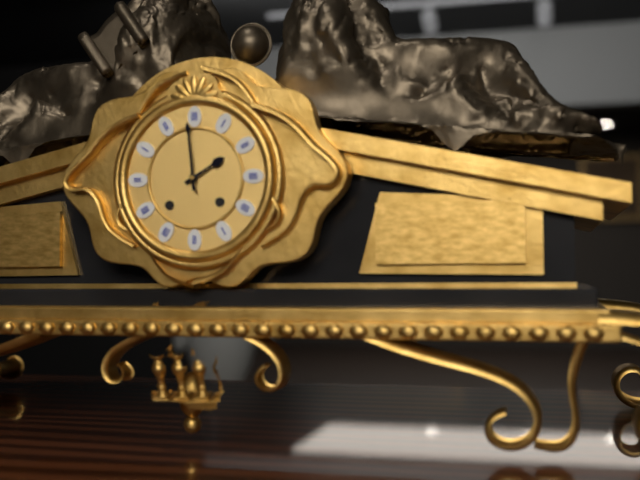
1:59
